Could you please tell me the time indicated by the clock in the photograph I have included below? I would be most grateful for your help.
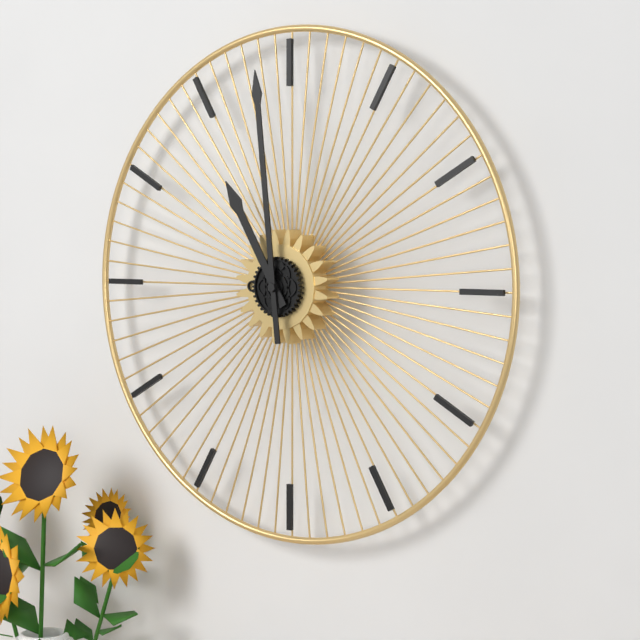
10:59
